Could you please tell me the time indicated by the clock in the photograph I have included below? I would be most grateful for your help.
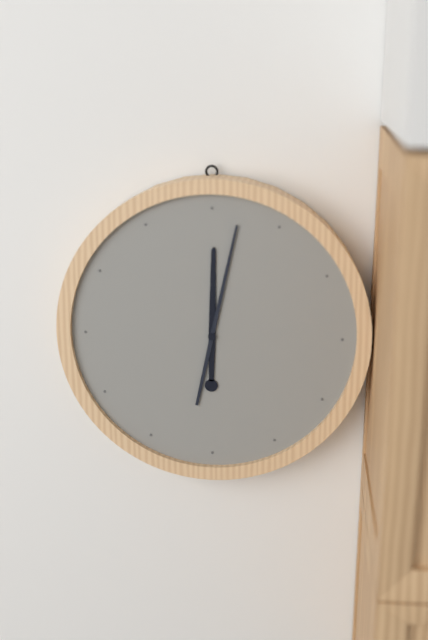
12:02
